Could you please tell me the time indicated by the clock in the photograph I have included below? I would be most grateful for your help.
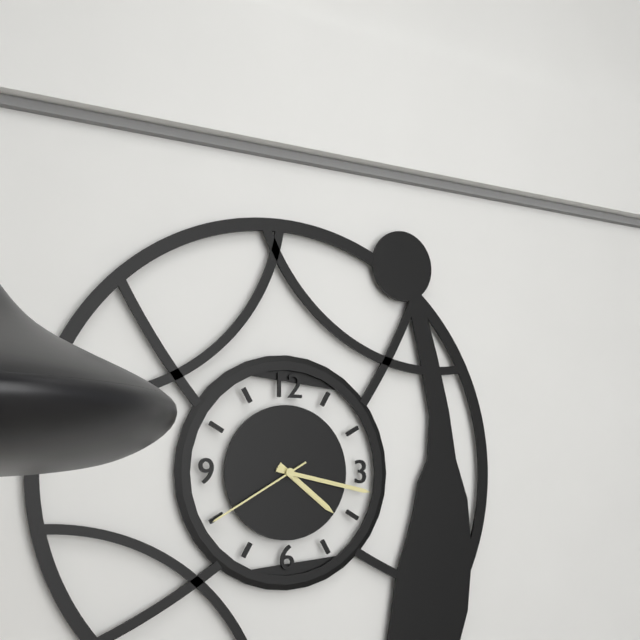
4:17:40
